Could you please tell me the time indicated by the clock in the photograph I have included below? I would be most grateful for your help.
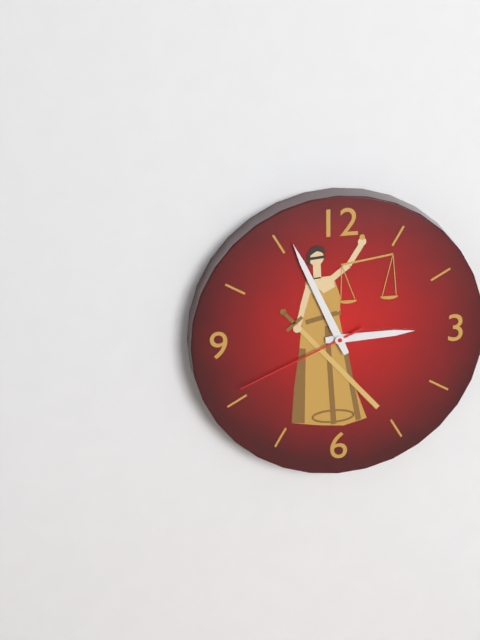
2:56:41
